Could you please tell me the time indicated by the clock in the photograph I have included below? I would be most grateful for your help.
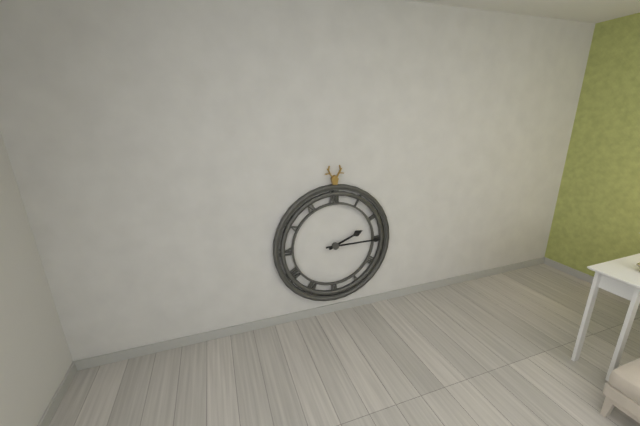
2:15
